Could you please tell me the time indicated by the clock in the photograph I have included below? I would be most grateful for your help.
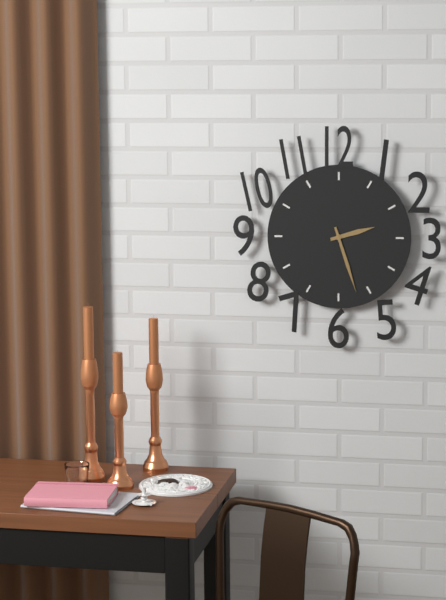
2:27
